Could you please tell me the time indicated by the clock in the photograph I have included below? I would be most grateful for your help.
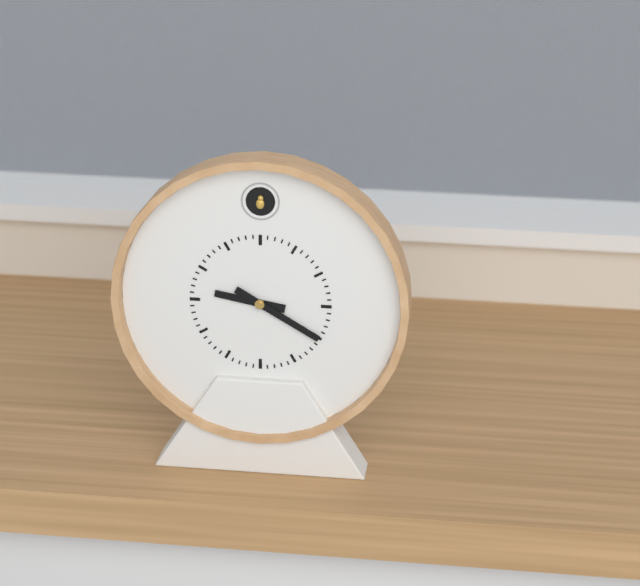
9:20
